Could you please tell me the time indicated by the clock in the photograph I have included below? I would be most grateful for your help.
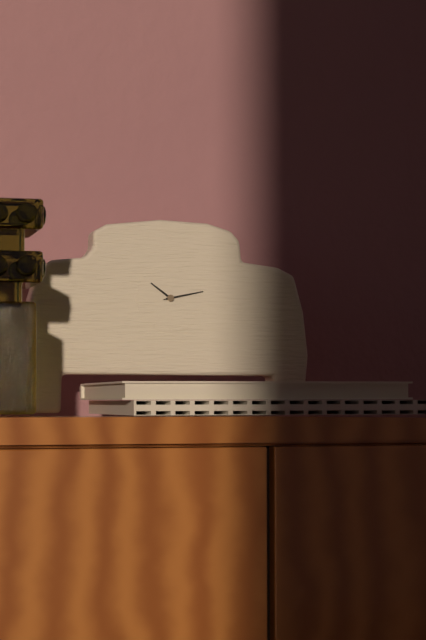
10:13
